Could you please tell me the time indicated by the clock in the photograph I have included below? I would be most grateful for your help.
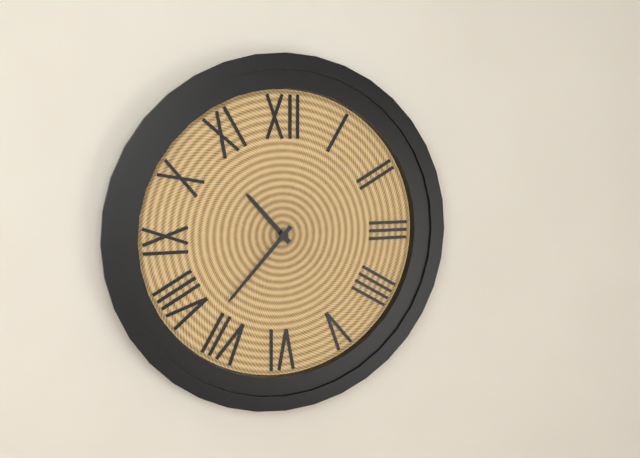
10:37
